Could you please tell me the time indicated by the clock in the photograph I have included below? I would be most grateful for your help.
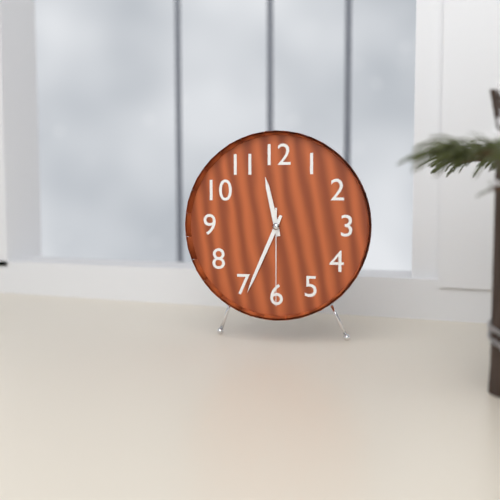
11:34:30
